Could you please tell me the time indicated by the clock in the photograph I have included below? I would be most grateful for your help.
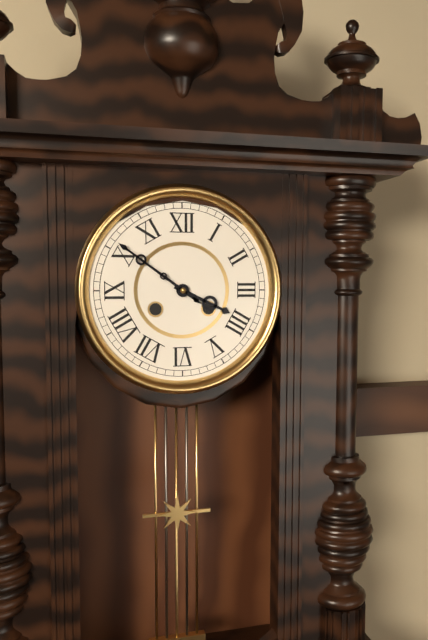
3:51
